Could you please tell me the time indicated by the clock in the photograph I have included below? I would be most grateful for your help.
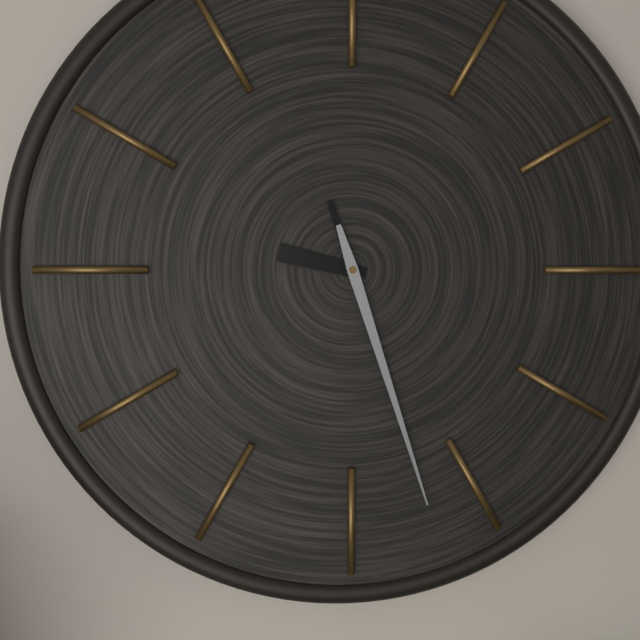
9:27:27
